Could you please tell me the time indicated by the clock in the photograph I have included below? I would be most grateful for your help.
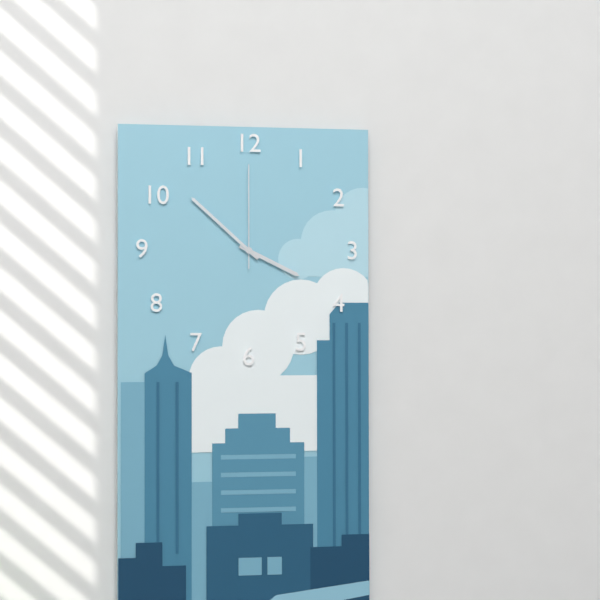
3:52:00
